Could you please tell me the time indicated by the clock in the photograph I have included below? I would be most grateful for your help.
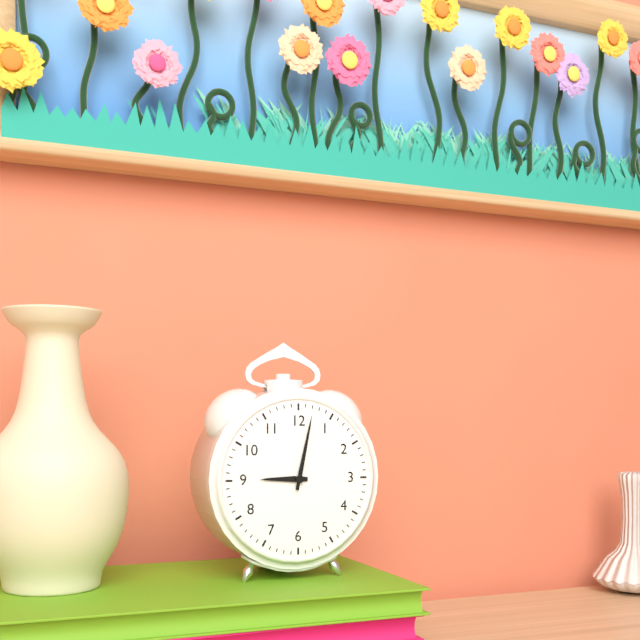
9:02
